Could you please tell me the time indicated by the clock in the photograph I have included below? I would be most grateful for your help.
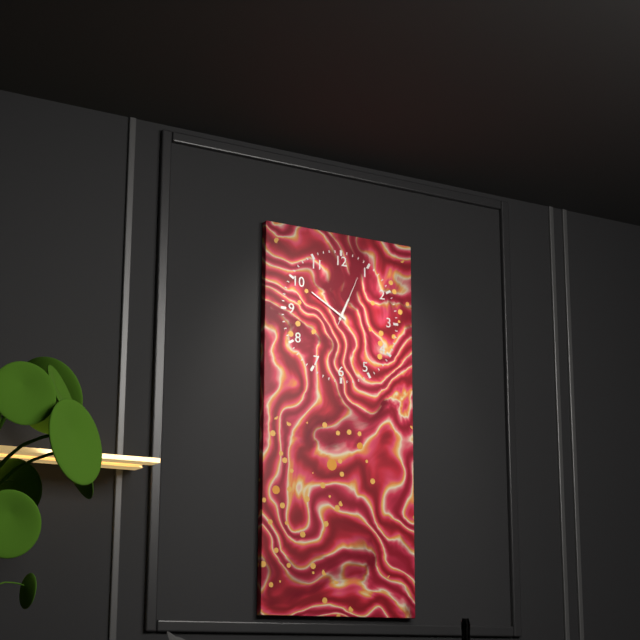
12:50:04
